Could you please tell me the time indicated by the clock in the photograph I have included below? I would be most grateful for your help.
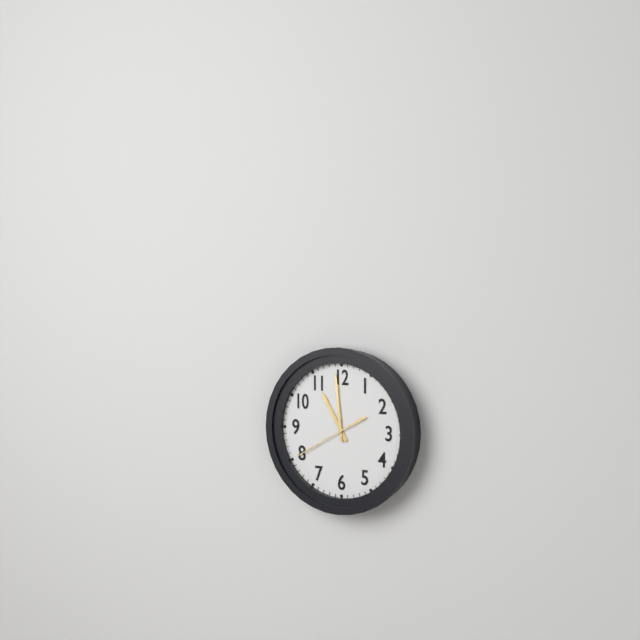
10:59:40
